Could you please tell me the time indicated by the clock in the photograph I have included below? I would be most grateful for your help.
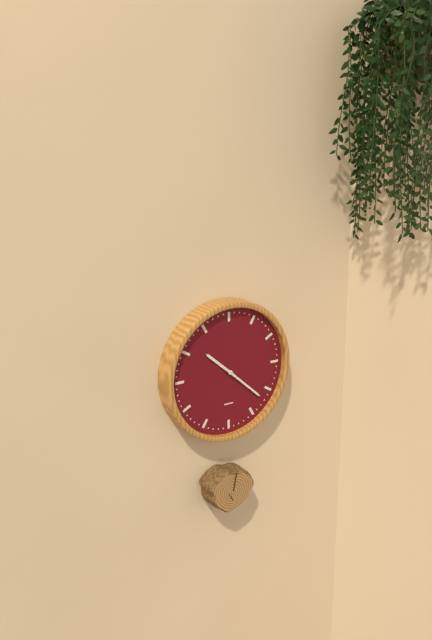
10:22
